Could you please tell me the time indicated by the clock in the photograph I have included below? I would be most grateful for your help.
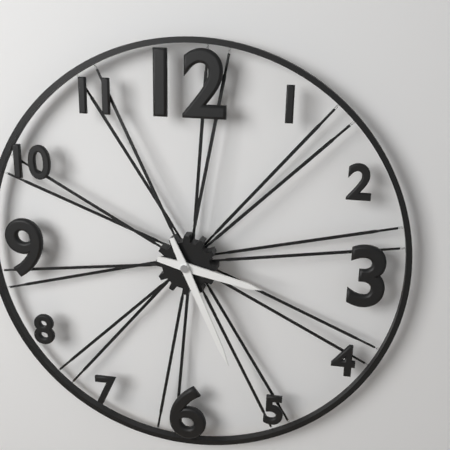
3:26
